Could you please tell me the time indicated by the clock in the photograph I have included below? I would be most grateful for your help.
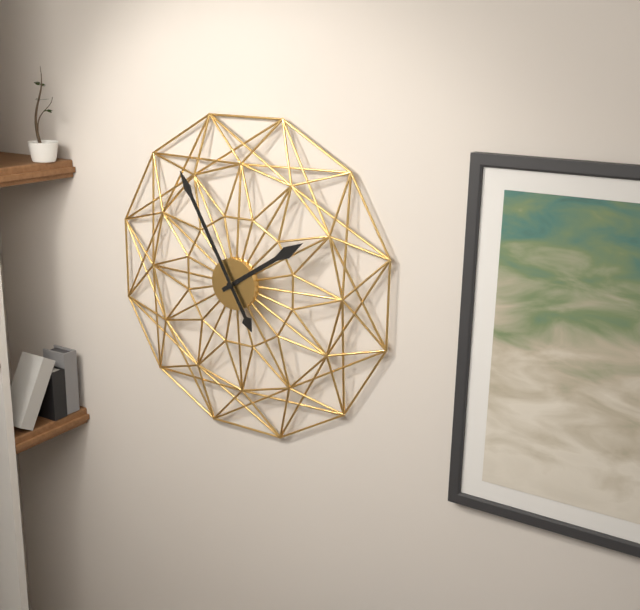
1:55
